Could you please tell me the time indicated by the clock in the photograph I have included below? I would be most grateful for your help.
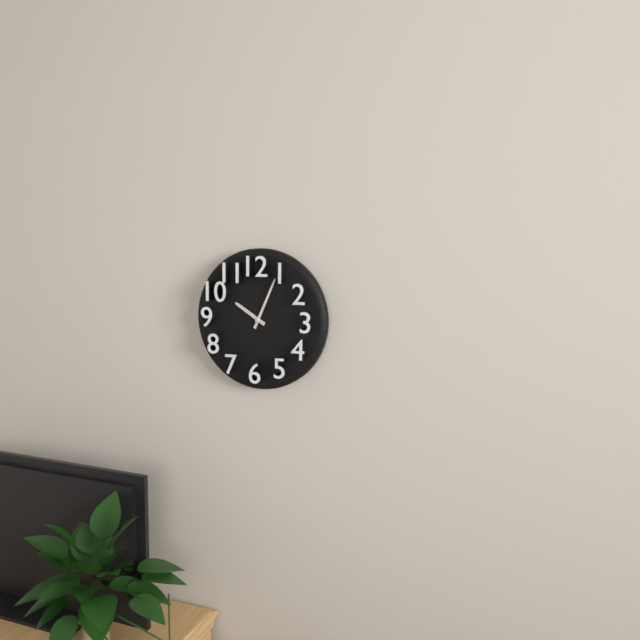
10:04
